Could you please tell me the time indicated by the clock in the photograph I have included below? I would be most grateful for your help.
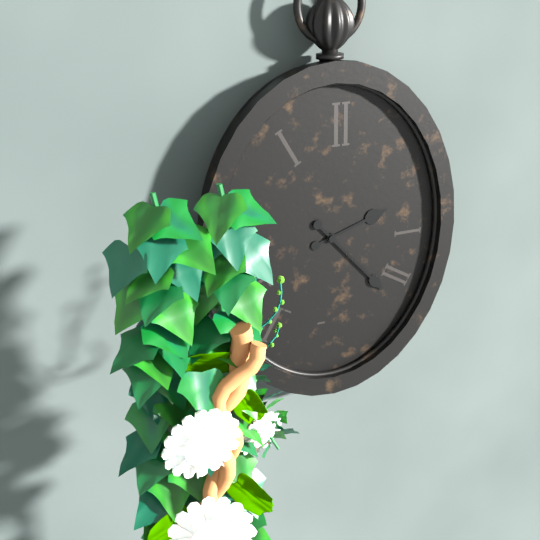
2:23
